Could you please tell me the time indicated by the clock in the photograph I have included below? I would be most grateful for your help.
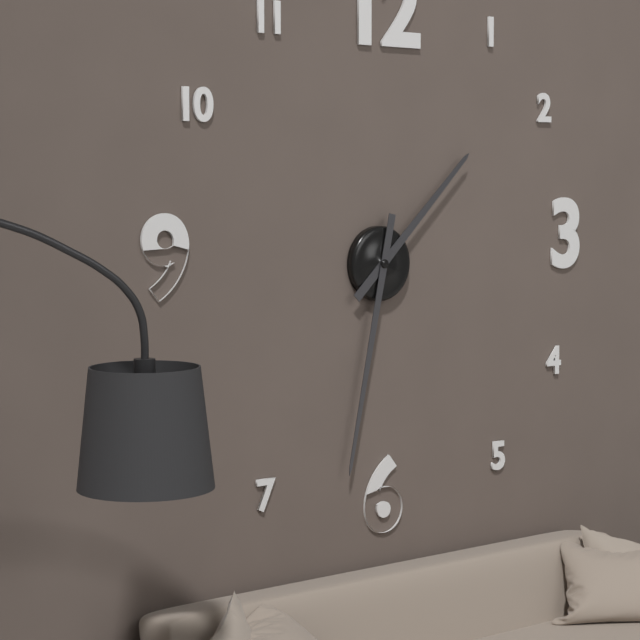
1:32
